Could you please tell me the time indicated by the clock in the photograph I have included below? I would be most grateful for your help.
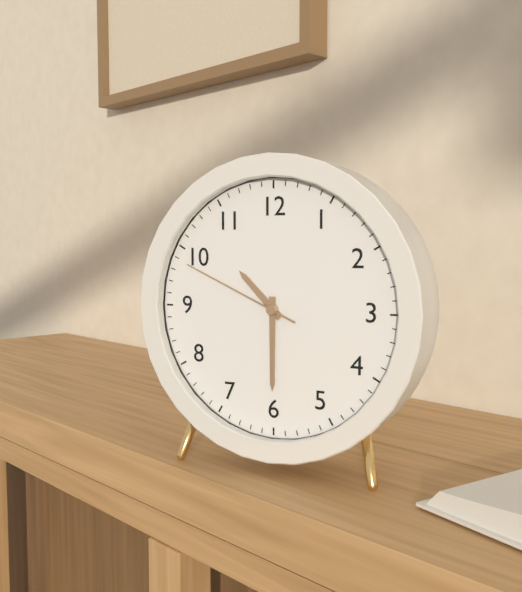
10:30:49
